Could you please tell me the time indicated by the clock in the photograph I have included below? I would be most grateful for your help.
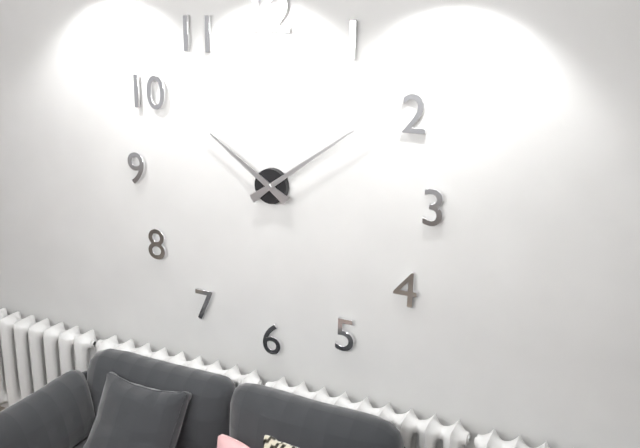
10:09
